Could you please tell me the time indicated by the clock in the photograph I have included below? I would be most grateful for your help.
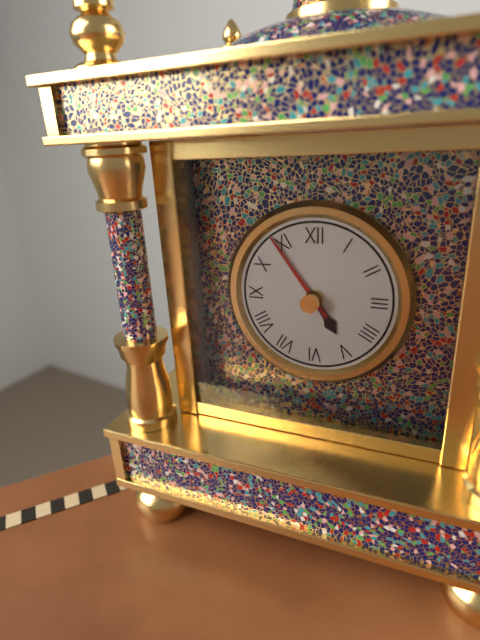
4:54
